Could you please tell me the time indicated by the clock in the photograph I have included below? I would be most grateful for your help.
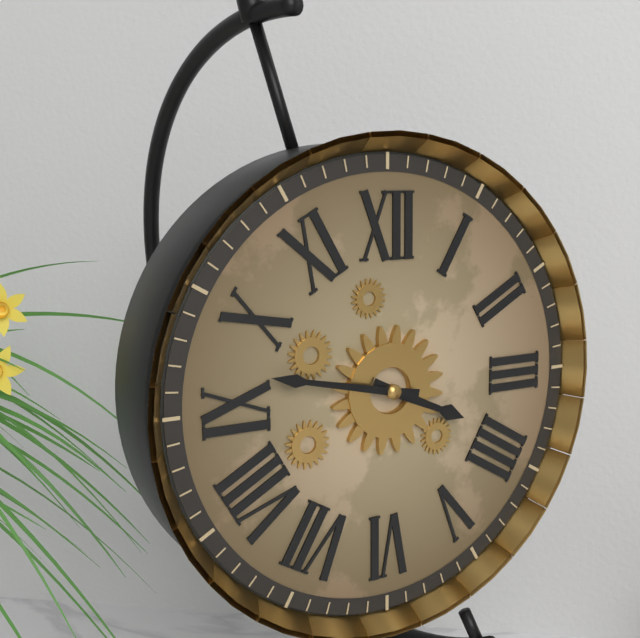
3:47
